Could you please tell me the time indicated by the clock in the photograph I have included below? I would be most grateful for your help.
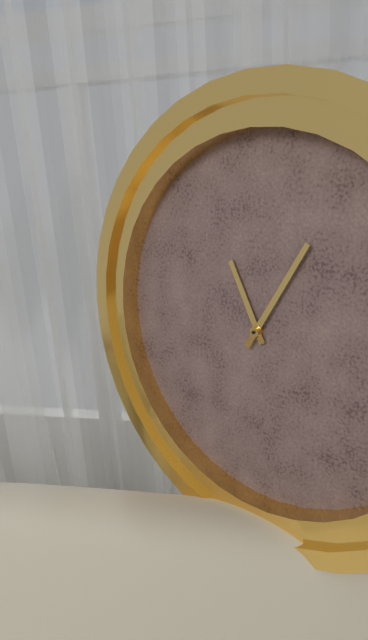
11:05
